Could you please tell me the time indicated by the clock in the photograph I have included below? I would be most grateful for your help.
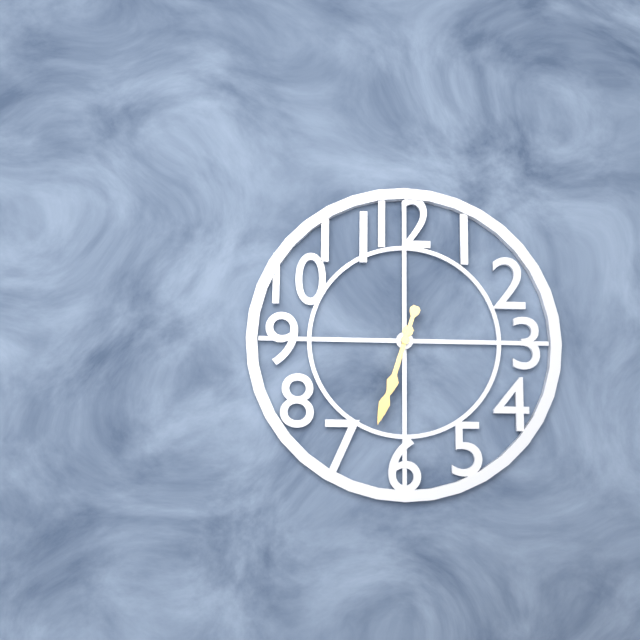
6:33
